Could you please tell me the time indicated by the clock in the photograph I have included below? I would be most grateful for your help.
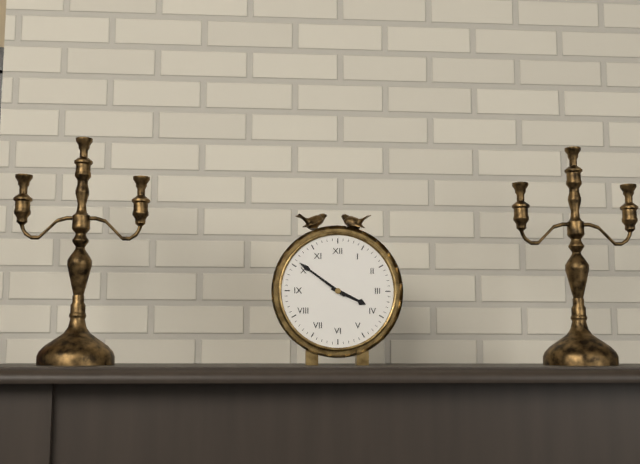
3:51
